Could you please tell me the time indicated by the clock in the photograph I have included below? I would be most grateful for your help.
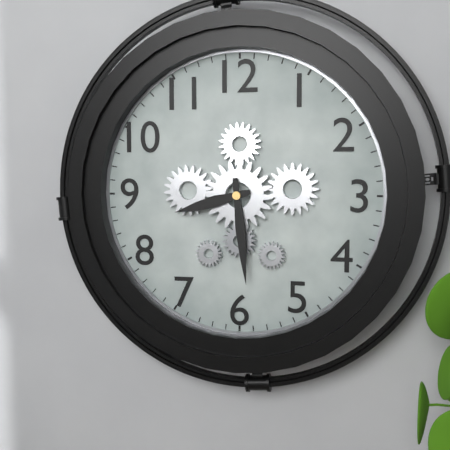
8:29
